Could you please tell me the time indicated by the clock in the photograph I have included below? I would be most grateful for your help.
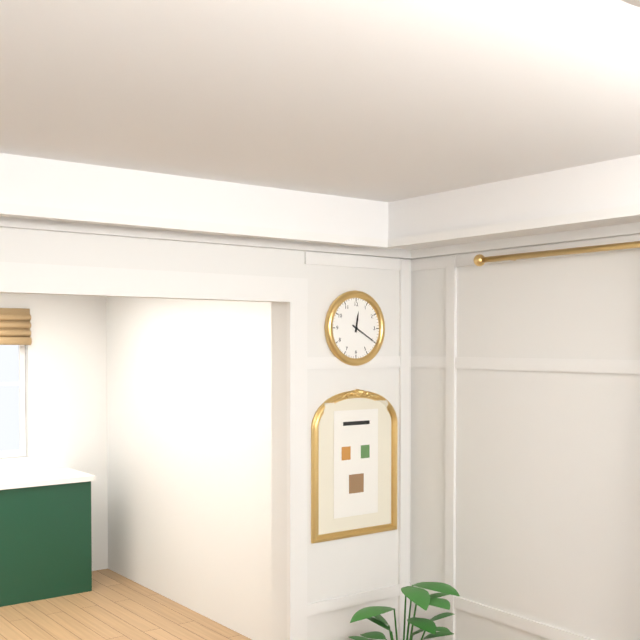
12:20
